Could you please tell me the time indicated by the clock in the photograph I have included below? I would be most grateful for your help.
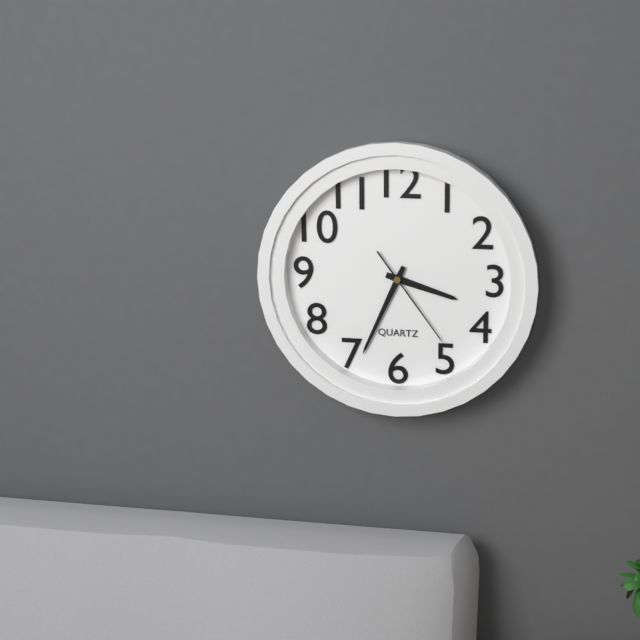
3:34:24
